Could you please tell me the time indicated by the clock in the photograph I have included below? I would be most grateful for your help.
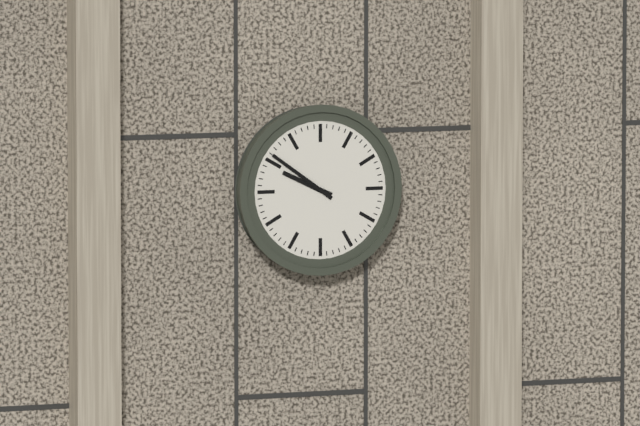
9:51
